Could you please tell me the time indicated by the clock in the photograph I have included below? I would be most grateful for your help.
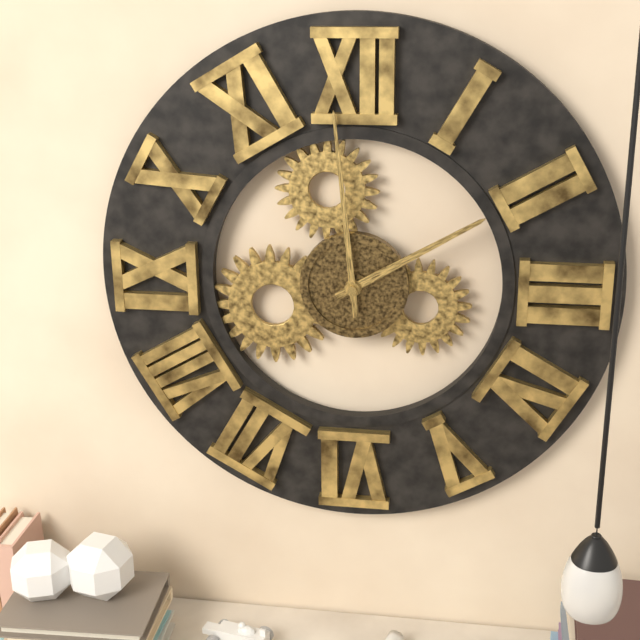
1:59
